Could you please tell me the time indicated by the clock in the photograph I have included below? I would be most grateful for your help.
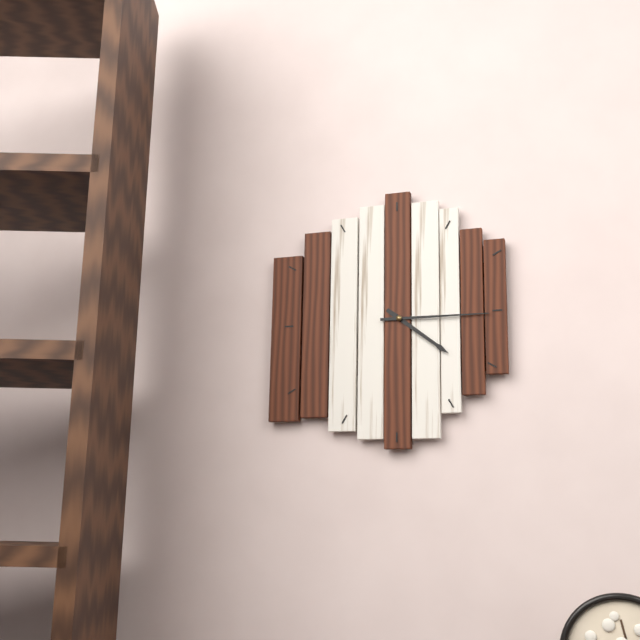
4:15
